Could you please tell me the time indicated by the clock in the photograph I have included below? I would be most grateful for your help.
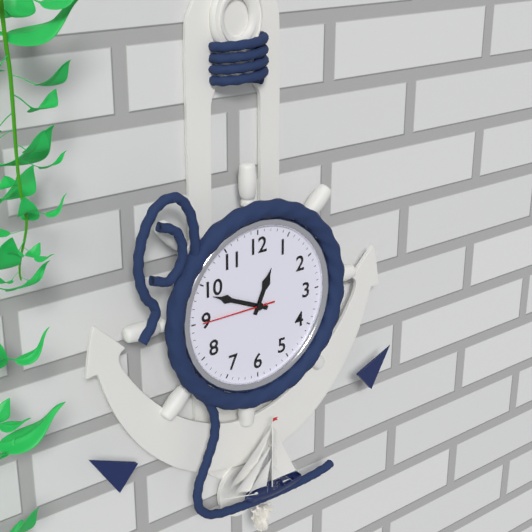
12:49:45
